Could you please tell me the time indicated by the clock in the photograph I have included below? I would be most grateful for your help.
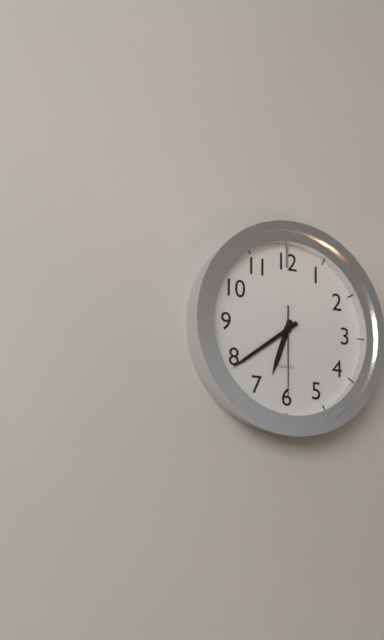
6:39:30
